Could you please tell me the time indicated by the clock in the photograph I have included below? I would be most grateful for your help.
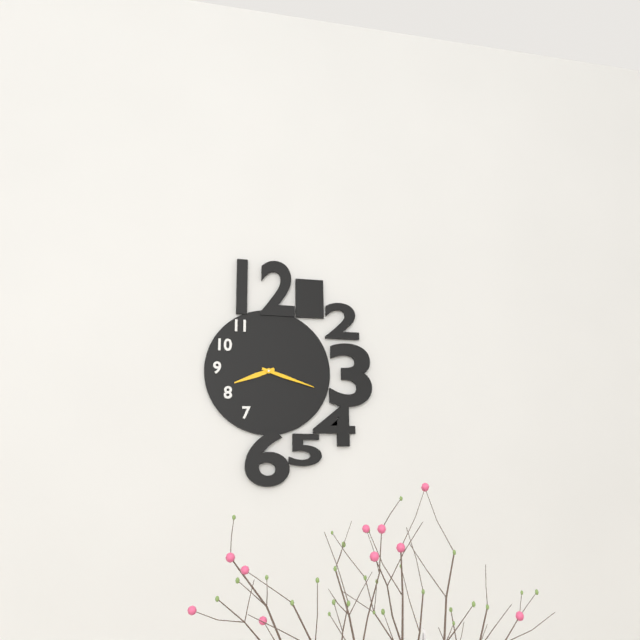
8:18
